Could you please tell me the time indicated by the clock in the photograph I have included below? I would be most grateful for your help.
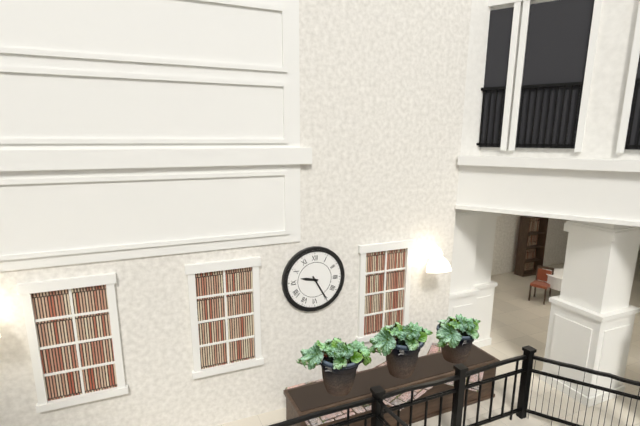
9:25
